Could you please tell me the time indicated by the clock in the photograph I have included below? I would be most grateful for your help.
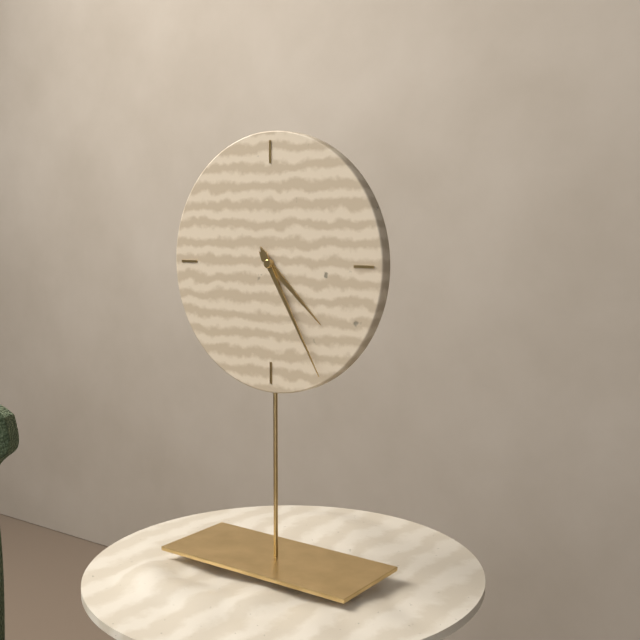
4:25
